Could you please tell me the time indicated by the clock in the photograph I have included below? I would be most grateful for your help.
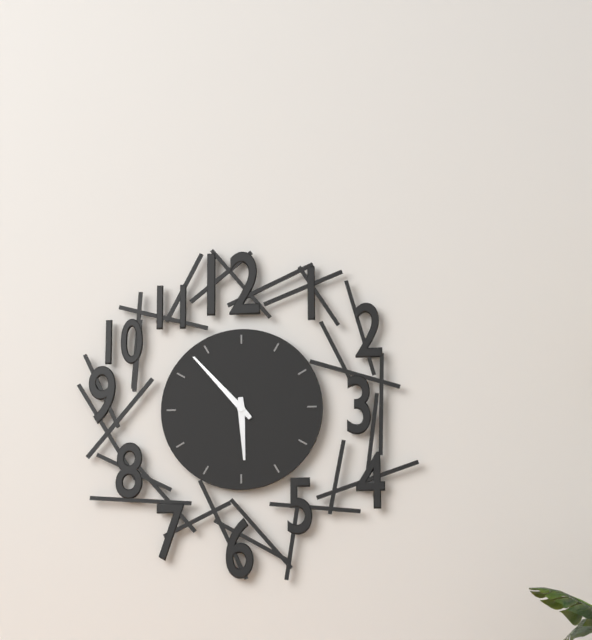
5:53
